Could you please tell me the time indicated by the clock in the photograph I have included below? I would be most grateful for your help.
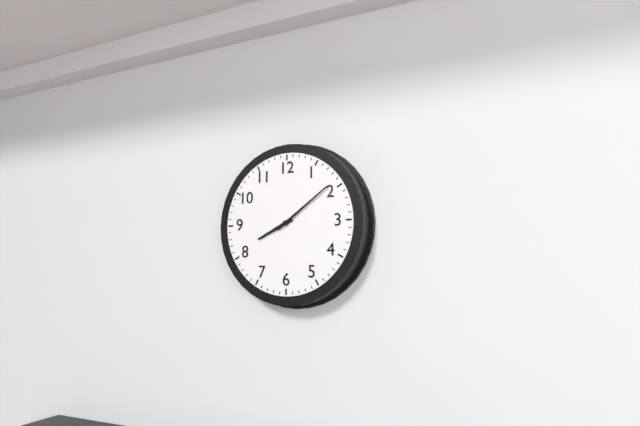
8:09
